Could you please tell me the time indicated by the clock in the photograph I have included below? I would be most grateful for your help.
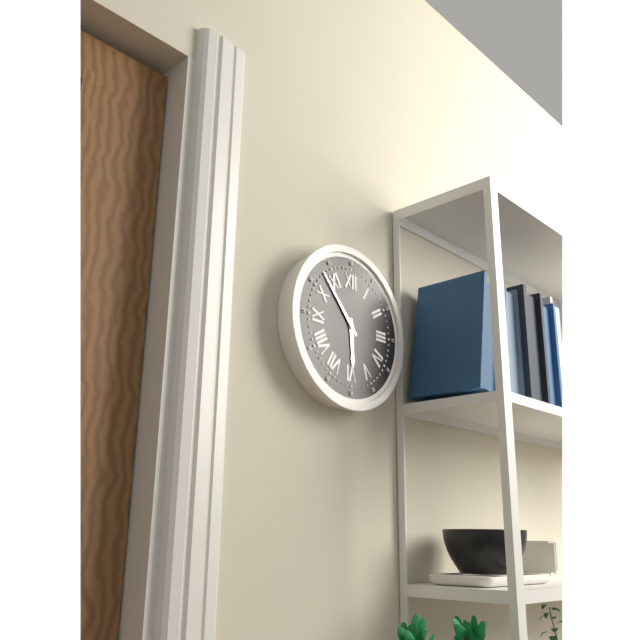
5:53
